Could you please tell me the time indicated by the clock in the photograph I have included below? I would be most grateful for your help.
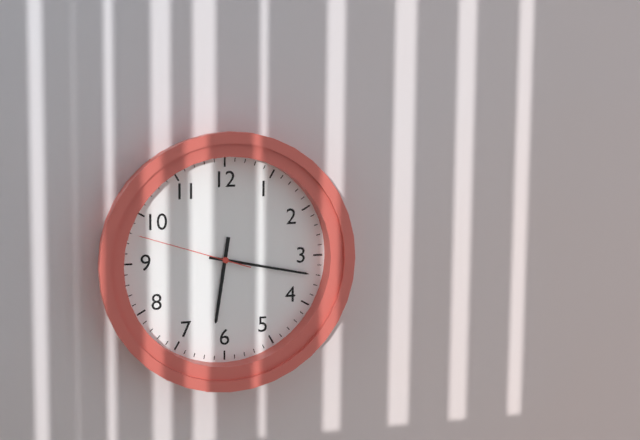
6:17:48
